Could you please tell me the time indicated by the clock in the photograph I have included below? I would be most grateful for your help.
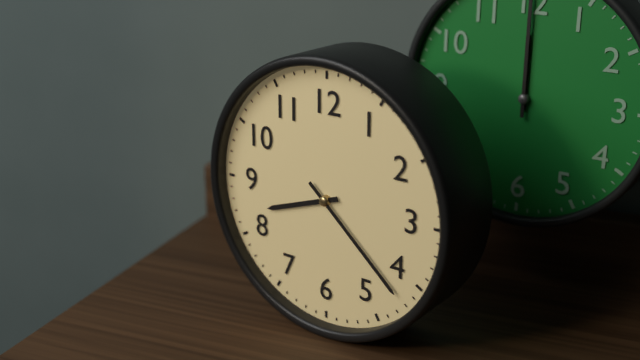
8:22
